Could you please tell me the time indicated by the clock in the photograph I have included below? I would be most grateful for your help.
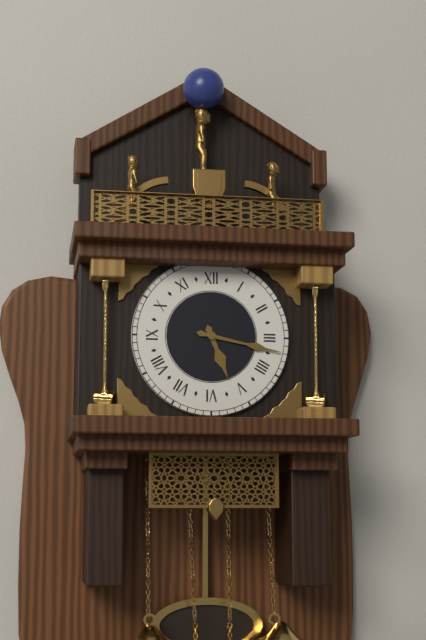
5:17
